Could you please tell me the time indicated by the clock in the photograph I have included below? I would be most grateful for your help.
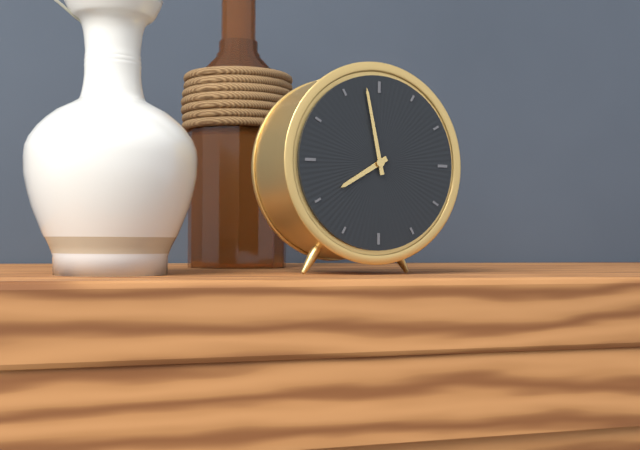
7:58
